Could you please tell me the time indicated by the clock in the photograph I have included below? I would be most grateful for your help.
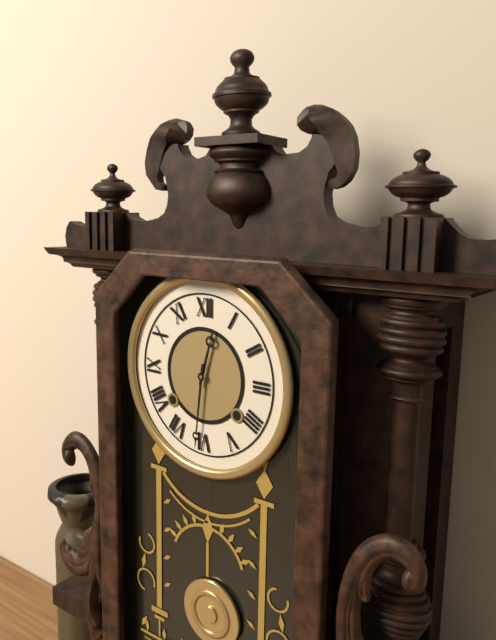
12:31
